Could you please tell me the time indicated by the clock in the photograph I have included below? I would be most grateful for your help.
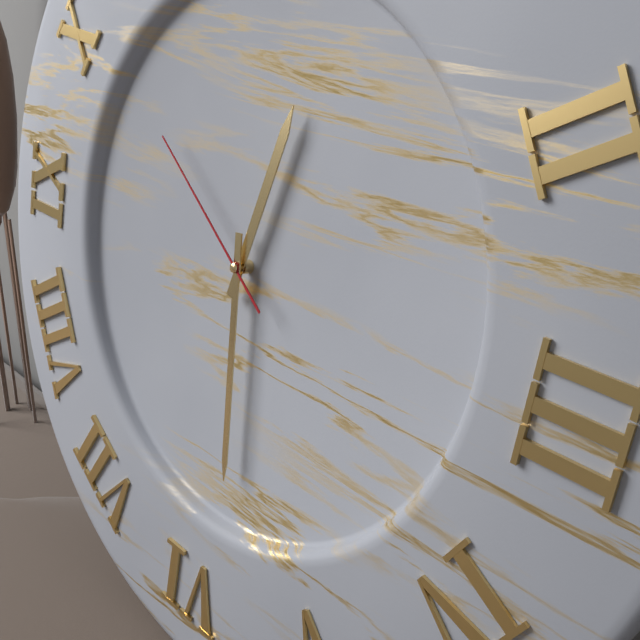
12:29:51
